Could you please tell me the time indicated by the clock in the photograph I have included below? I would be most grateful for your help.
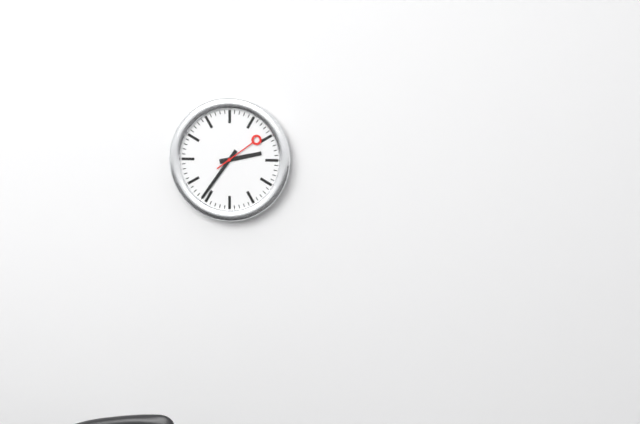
2:36
